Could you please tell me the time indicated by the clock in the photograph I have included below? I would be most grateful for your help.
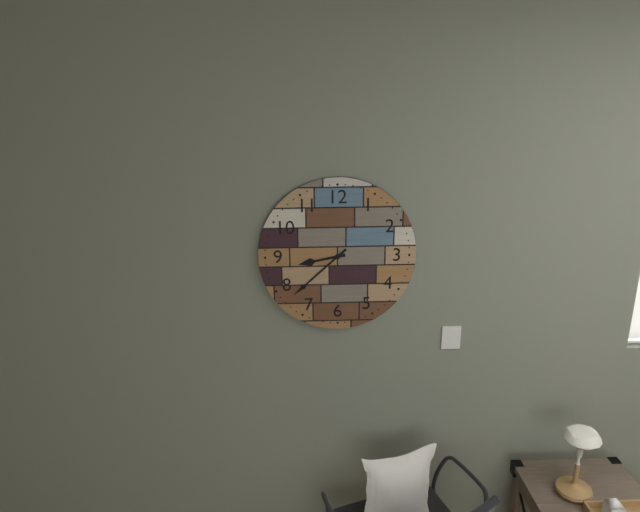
8:38
